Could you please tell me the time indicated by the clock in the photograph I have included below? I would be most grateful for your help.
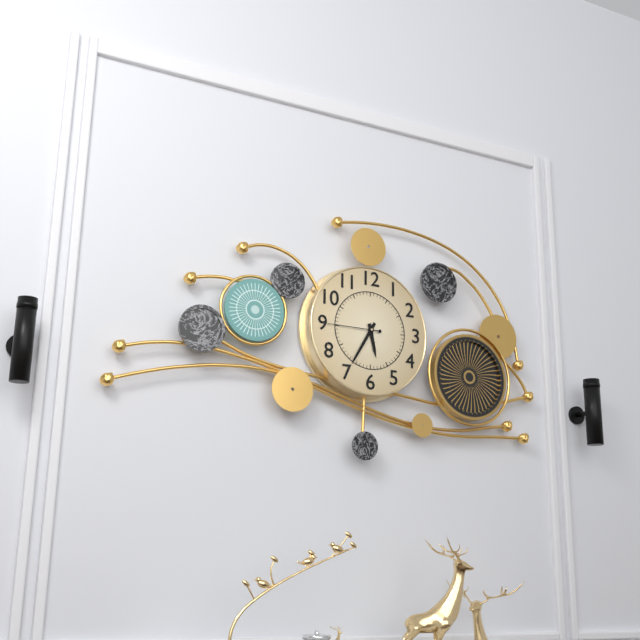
5:35:45
